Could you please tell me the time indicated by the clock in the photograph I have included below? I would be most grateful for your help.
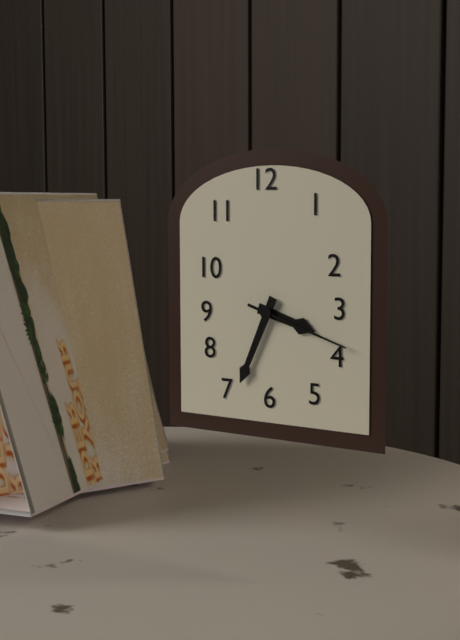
3:34:18
